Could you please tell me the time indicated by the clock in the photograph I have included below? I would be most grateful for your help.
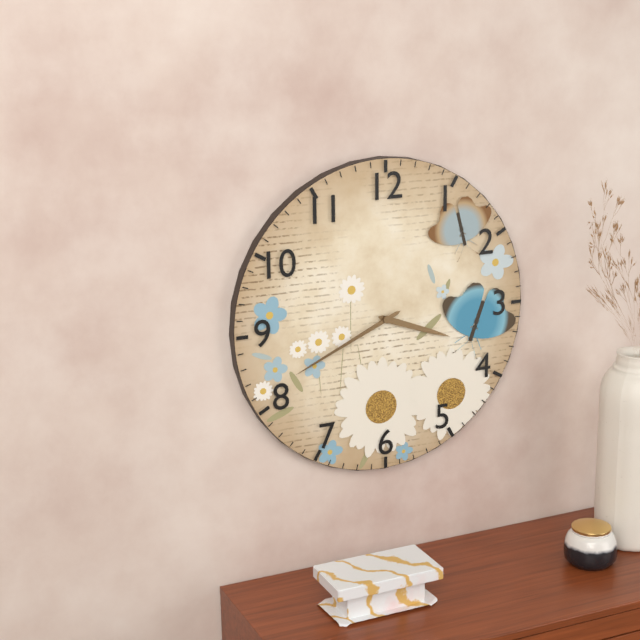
3:41
